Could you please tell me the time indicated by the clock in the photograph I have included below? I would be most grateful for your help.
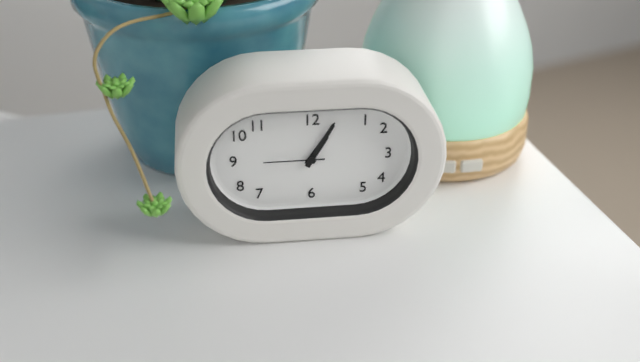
1:05:45
